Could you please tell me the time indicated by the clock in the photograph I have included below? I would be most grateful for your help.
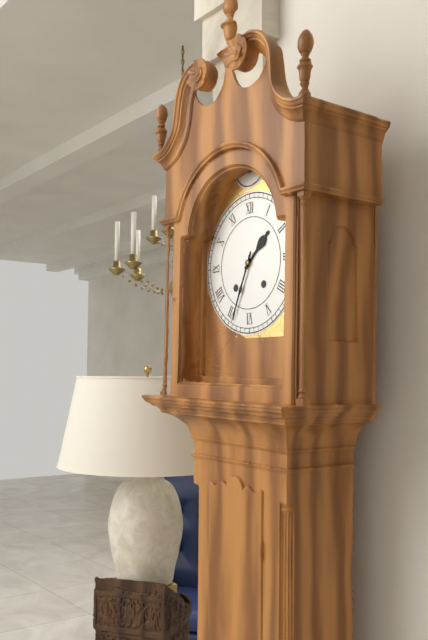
1:34
